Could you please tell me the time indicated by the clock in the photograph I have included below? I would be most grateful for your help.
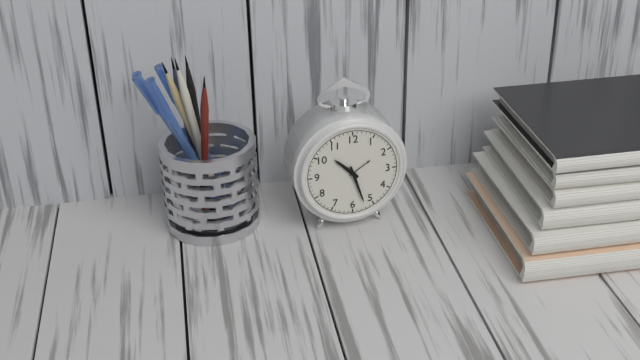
10:27
